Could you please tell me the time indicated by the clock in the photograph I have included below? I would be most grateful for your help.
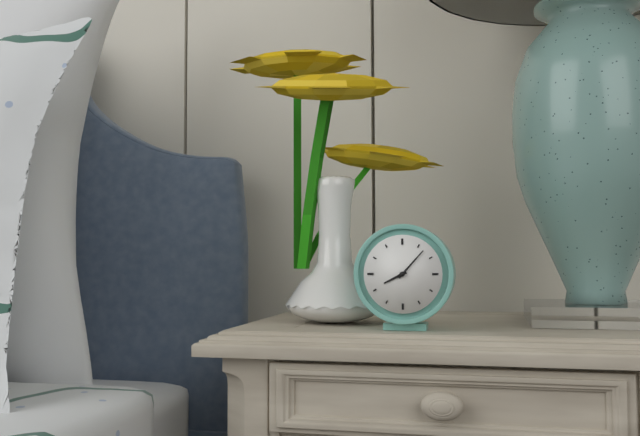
8:07
